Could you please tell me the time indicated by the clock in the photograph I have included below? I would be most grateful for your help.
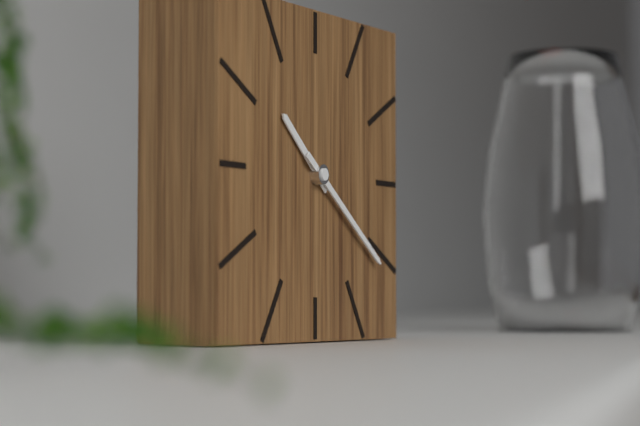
10:21
